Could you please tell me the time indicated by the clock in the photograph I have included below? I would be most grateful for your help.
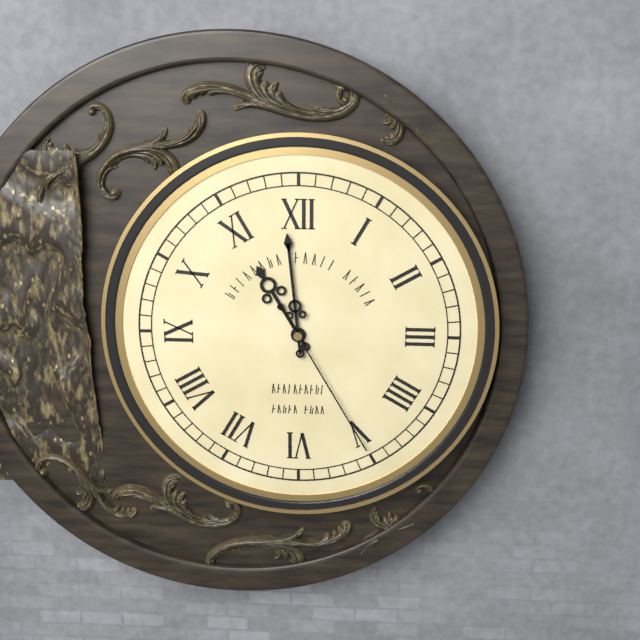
10:59:25
